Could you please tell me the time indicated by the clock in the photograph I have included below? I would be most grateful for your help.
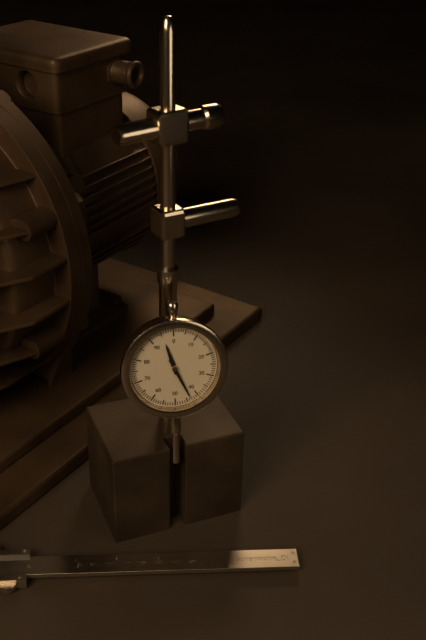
11:26
